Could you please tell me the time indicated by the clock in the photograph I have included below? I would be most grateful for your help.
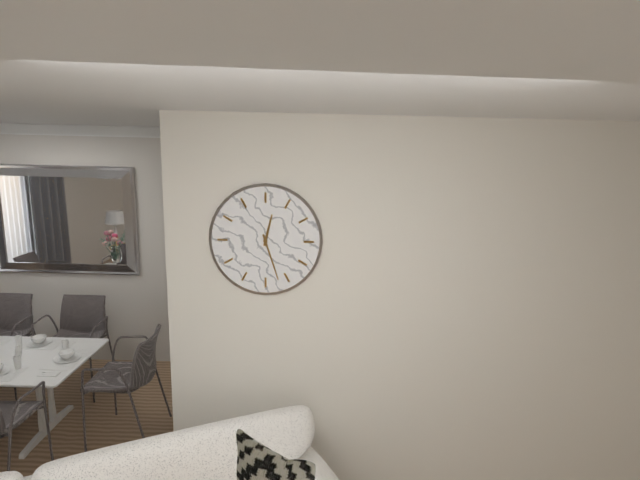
12:27
